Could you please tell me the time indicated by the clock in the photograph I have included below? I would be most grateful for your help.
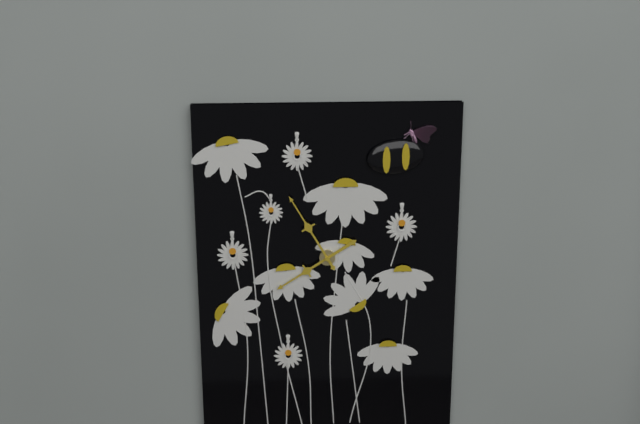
7:55
